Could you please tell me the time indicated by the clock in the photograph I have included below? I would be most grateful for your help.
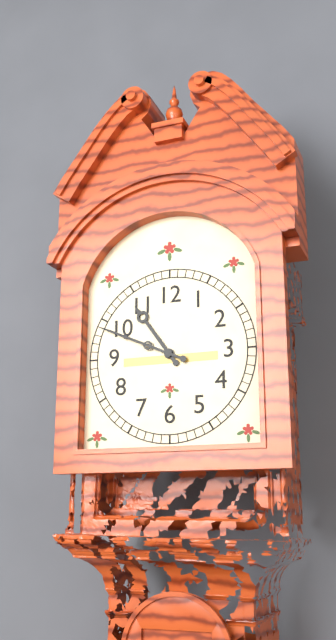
10:49
